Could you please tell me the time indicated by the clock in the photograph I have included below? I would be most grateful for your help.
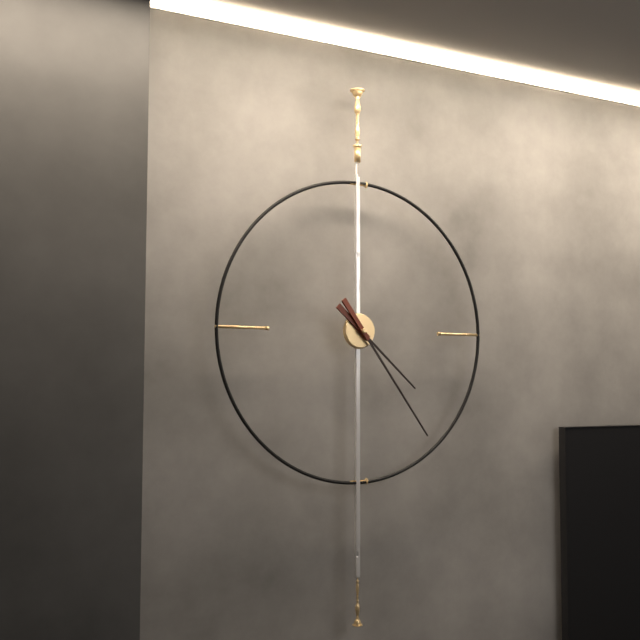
4:24
